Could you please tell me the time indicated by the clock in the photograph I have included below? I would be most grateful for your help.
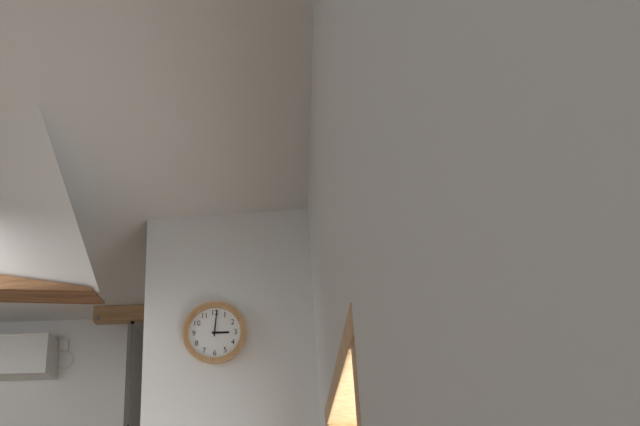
3:01
